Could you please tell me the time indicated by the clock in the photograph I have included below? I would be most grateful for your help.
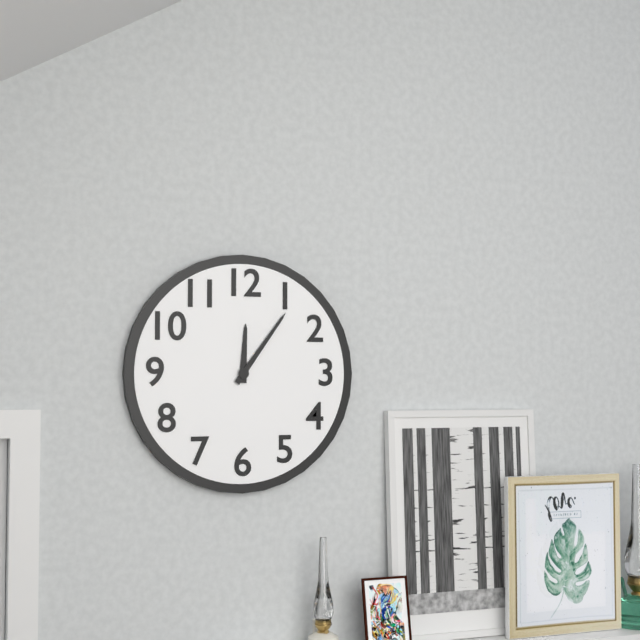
12:06
